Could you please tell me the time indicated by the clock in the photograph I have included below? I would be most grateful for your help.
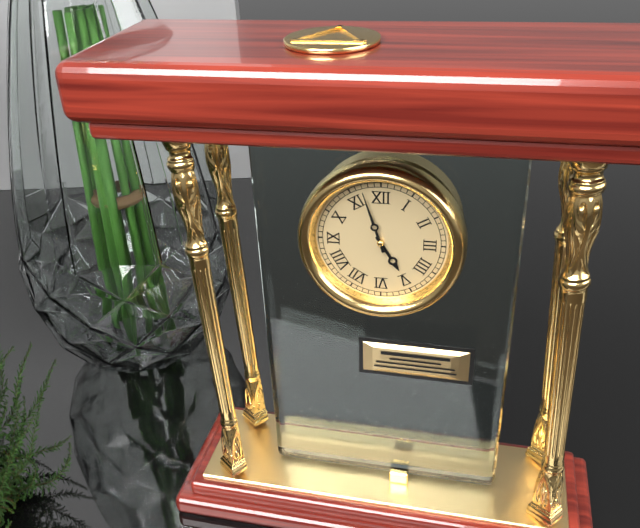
4:57
